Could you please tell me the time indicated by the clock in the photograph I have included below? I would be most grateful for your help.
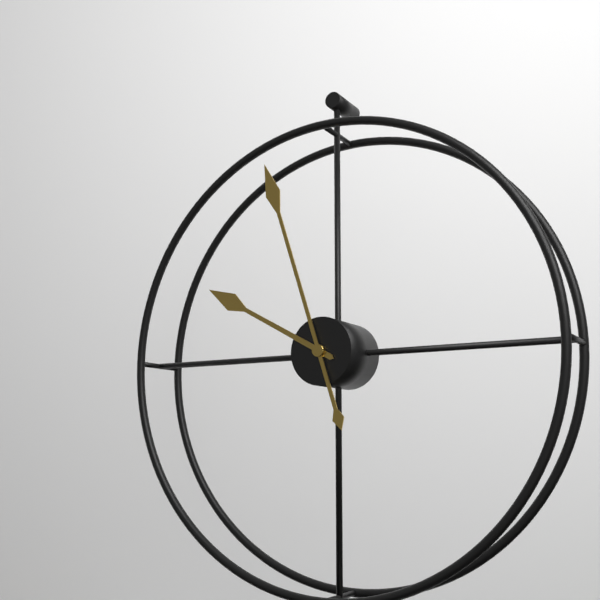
9:57
